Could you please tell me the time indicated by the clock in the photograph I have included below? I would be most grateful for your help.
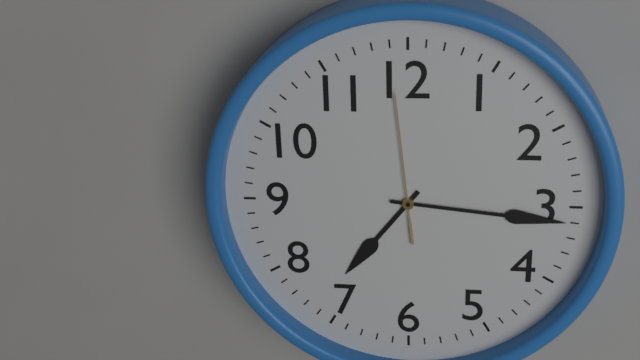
7:16:59
